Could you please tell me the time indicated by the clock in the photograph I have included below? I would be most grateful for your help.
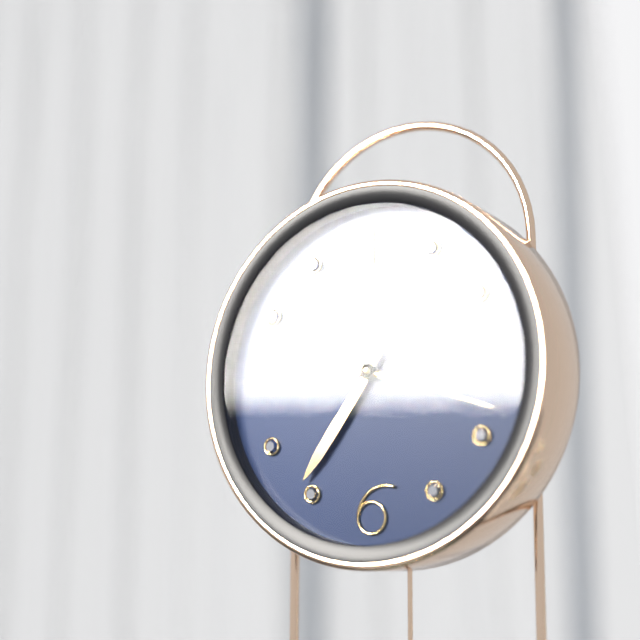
9:36:18
